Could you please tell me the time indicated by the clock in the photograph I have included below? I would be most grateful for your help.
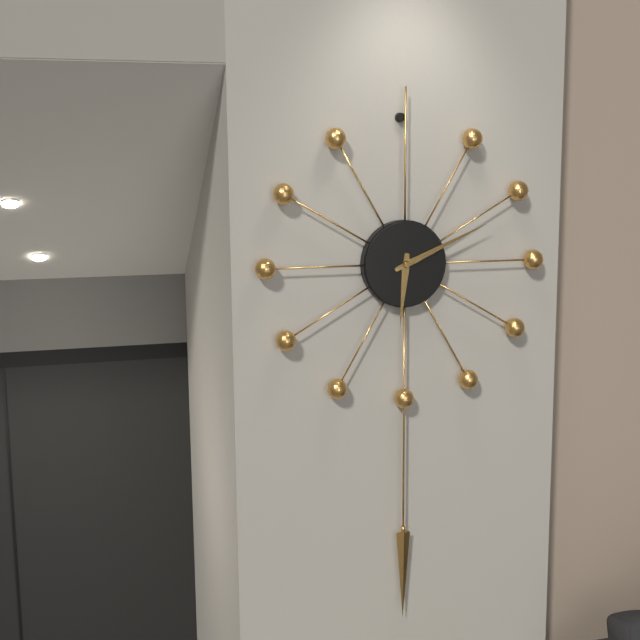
6:11
